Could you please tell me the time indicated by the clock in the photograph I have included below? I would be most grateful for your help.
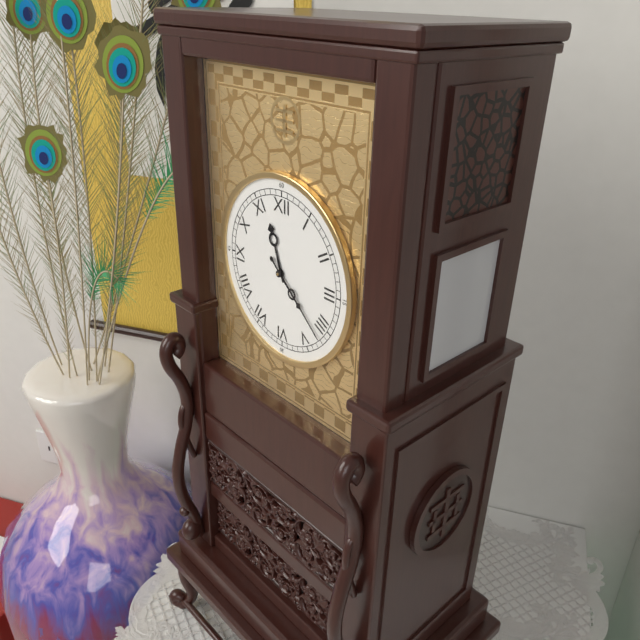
11:22
